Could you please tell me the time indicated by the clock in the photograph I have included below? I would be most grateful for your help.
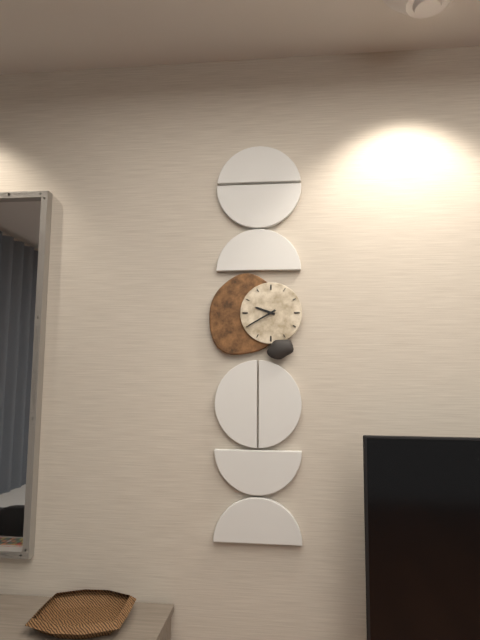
9:40
